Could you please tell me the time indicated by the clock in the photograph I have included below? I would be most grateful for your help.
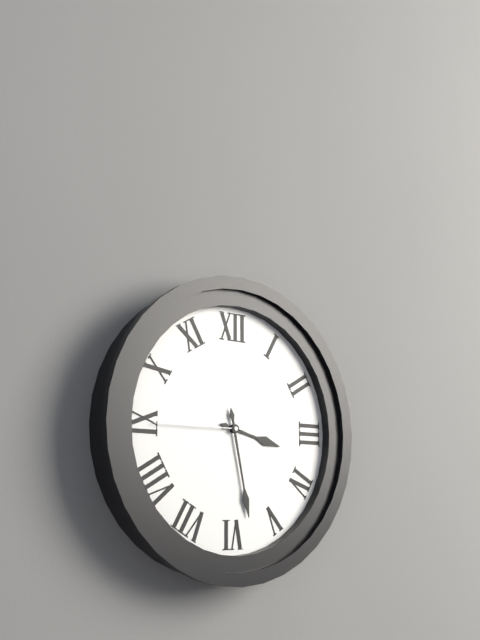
3:28:45
